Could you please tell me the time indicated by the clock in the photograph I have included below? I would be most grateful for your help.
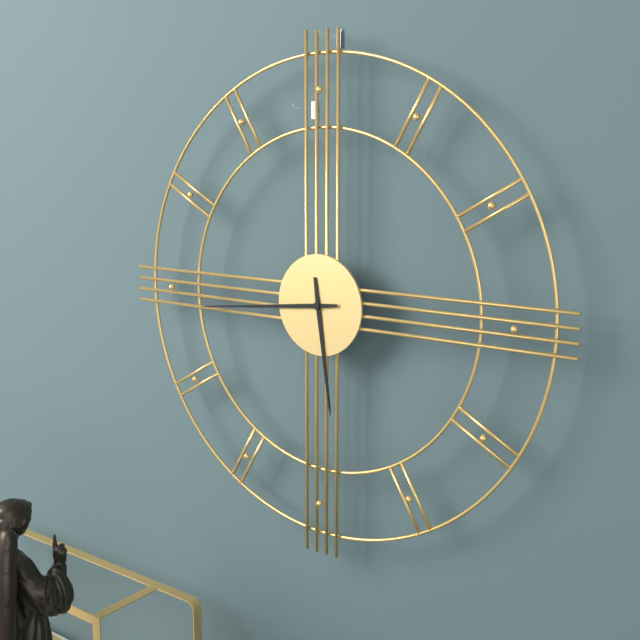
5:44
